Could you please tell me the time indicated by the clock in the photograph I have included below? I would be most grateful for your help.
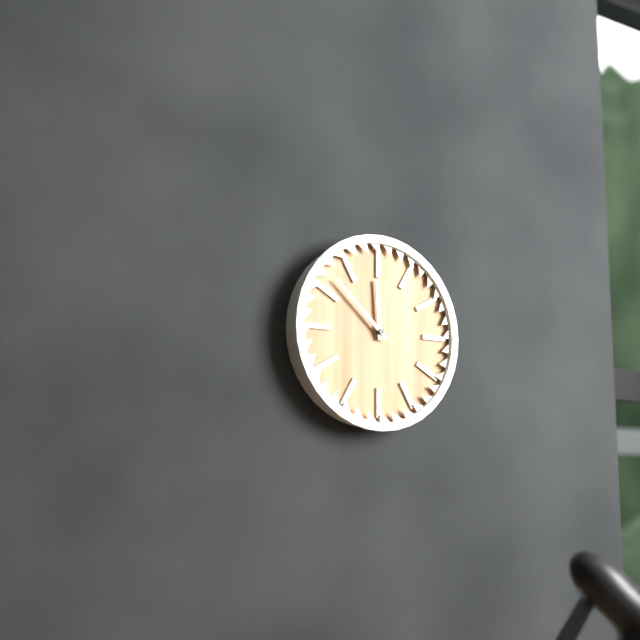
11:52
